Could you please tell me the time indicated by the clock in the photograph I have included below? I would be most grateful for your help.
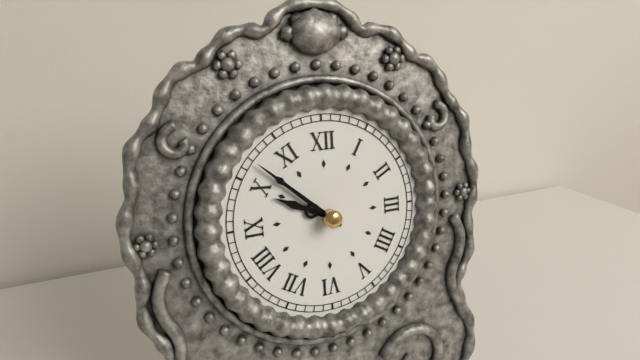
9:52
